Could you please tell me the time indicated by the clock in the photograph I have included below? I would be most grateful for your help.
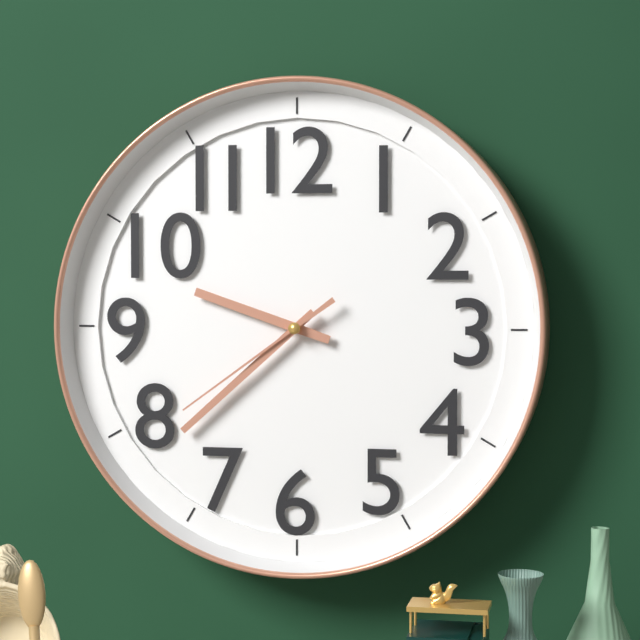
9:38:39
